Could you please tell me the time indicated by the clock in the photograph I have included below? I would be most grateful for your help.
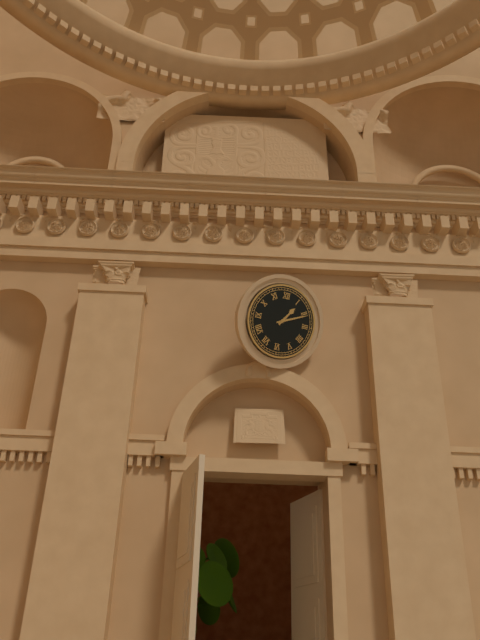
1:11
